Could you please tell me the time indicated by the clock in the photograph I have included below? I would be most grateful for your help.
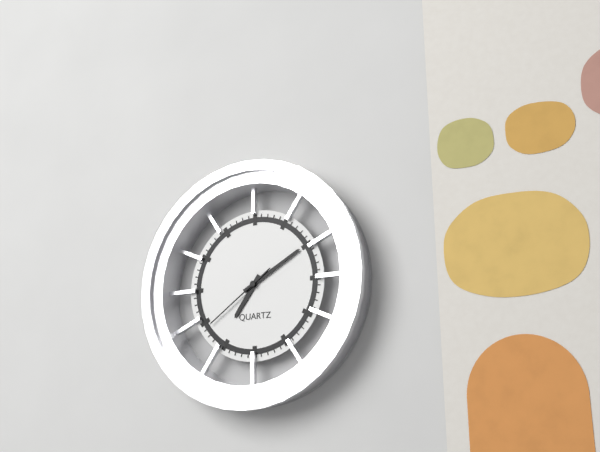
7:10:39
